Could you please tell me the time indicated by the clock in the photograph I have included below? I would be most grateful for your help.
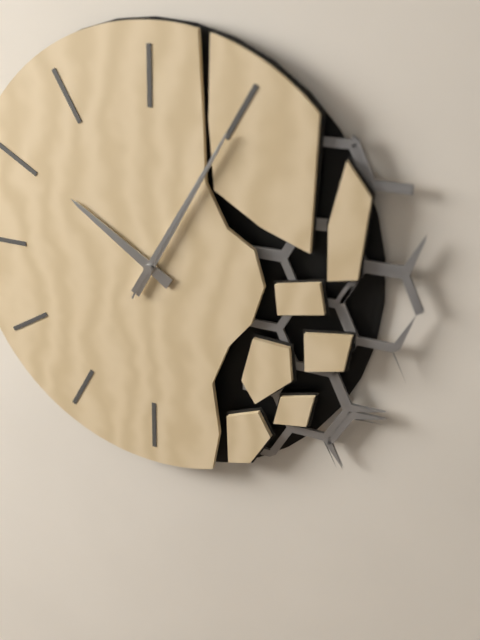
10:05:05
